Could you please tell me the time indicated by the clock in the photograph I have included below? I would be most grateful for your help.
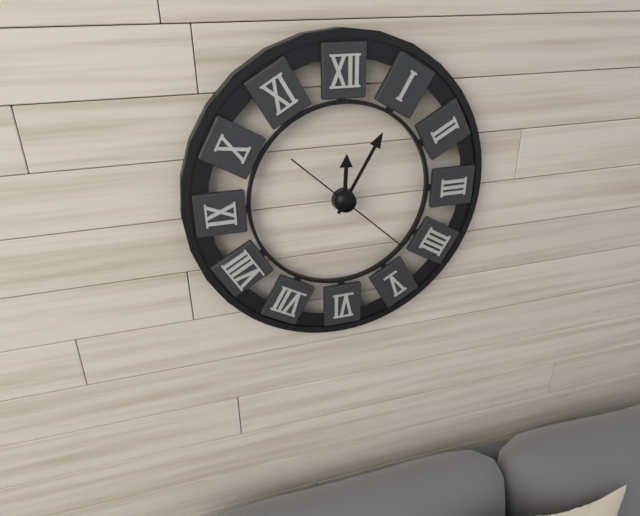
12:05:22
